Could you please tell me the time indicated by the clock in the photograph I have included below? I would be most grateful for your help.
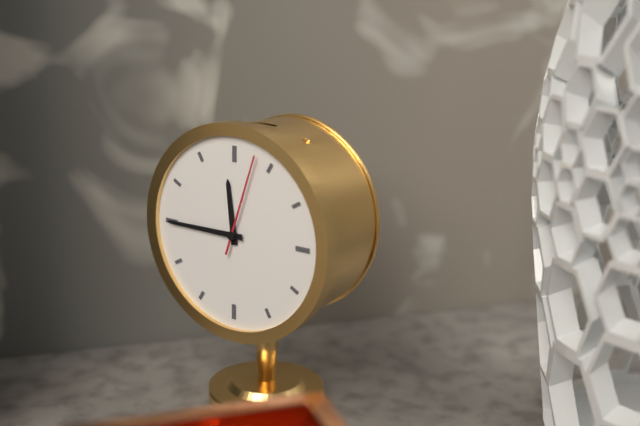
11:45:03
